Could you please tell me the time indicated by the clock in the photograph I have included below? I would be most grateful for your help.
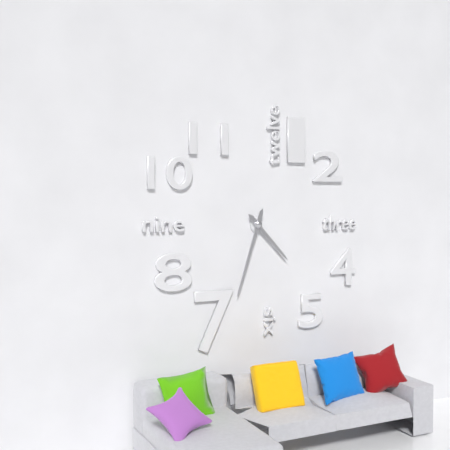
4:33
